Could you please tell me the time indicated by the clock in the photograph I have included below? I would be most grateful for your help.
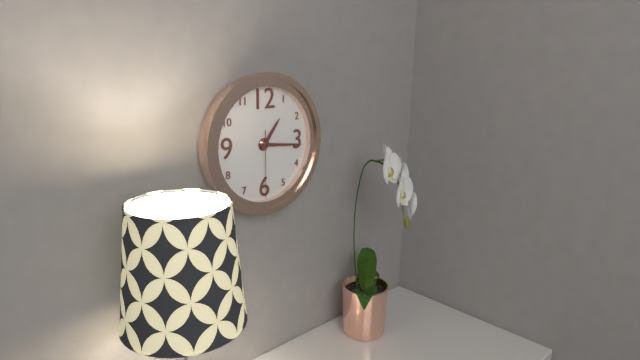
1:16:30
